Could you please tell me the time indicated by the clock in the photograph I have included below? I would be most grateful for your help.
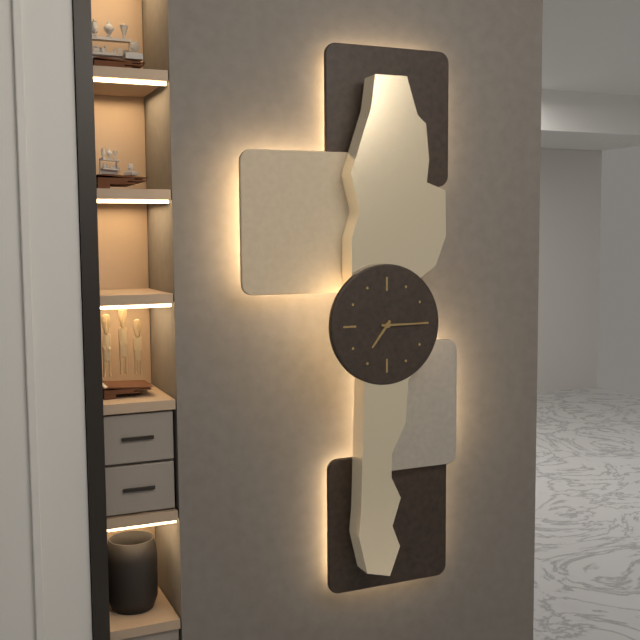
7:15
